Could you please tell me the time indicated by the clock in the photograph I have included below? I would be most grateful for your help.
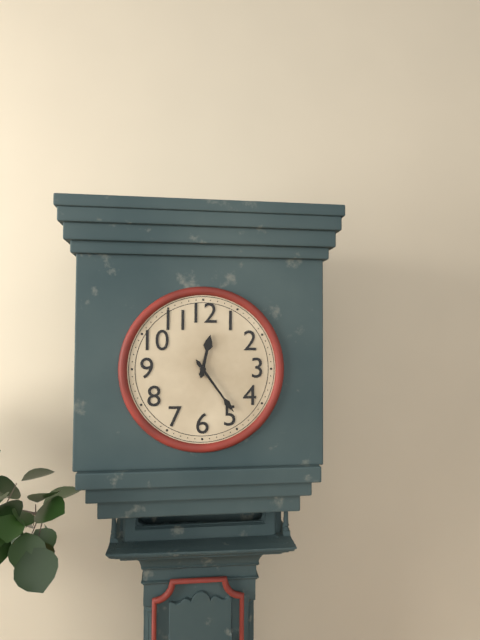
12:24
